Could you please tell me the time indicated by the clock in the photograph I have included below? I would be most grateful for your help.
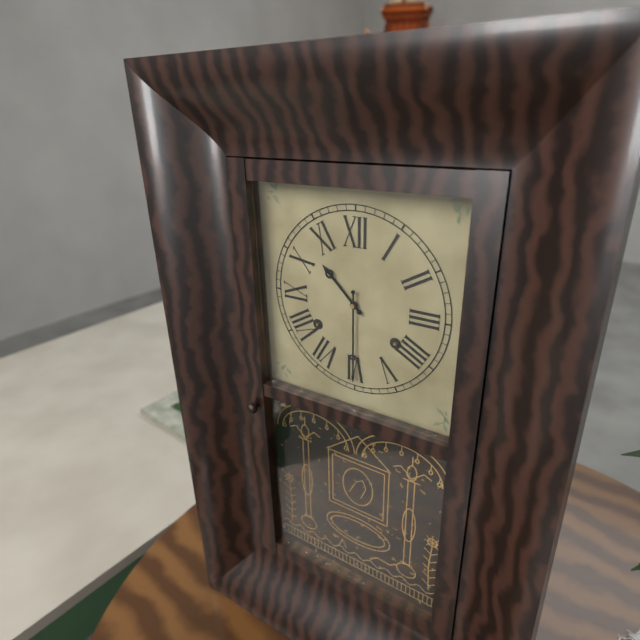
10:30
